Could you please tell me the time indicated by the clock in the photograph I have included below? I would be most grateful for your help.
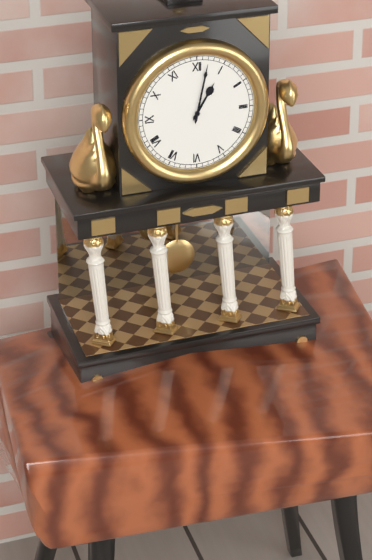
1:02
